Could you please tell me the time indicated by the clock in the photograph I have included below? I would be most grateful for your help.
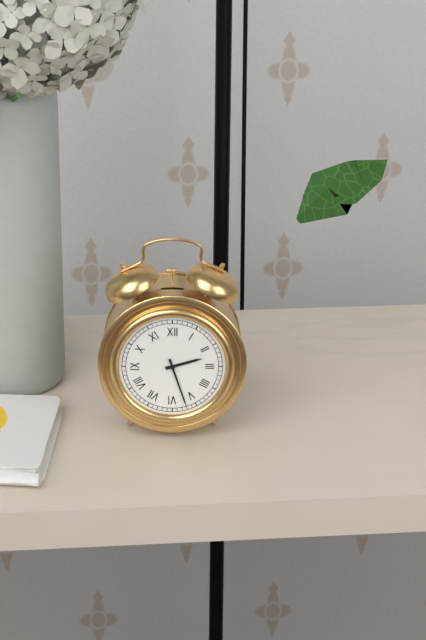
2:27
